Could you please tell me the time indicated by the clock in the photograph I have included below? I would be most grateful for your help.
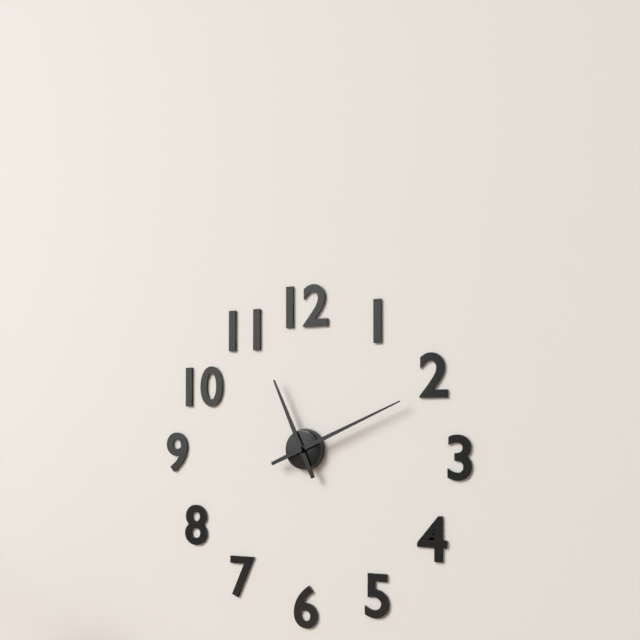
11:11
